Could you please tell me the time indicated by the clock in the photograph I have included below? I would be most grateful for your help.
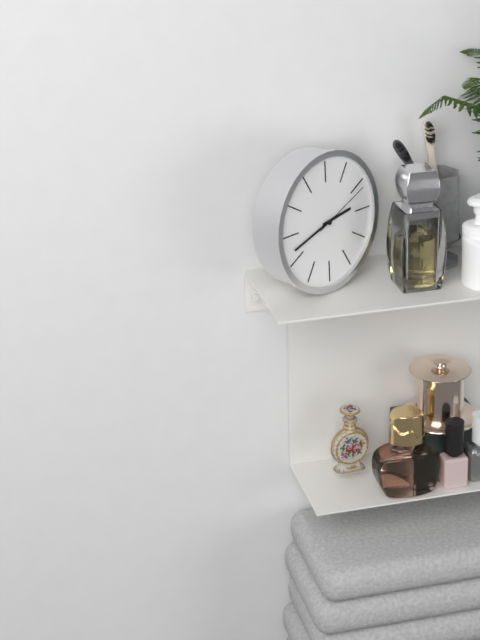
2:42:11
